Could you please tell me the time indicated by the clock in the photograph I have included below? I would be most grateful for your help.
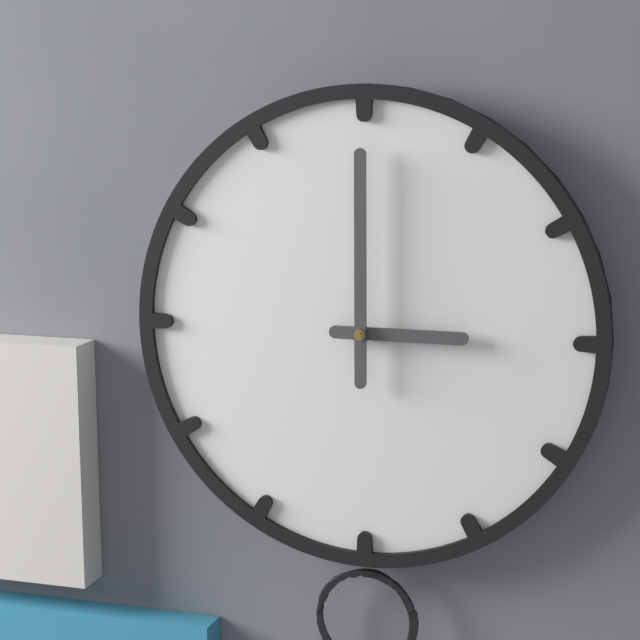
3:00
